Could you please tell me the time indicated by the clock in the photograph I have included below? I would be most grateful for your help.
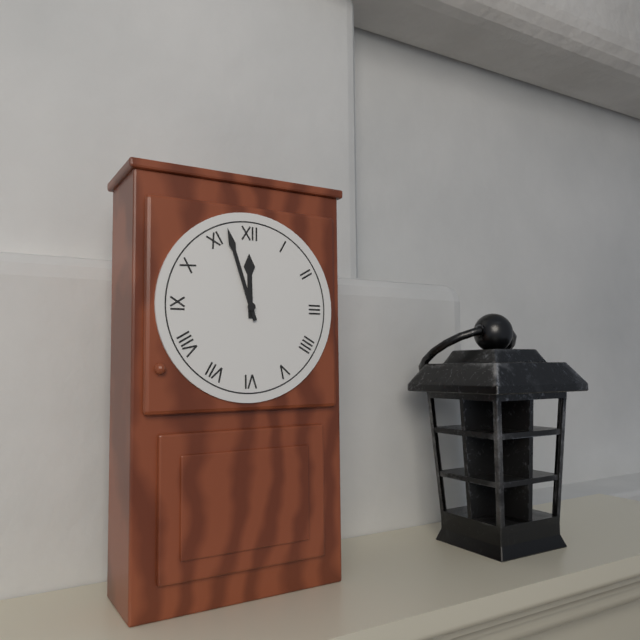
11:57
